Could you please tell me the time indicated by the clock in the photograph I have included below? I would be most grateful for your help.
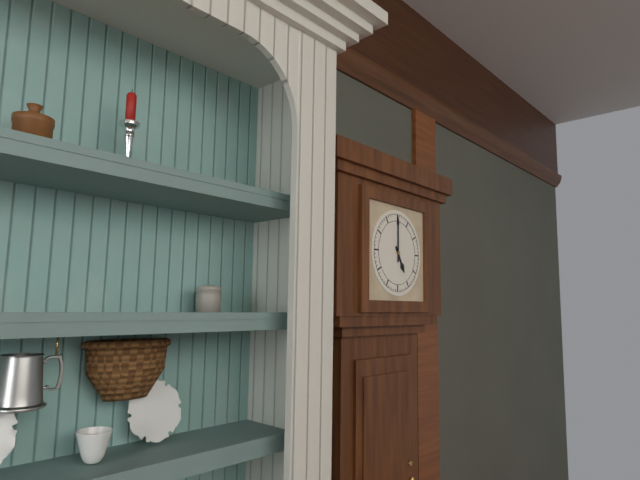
5:00
